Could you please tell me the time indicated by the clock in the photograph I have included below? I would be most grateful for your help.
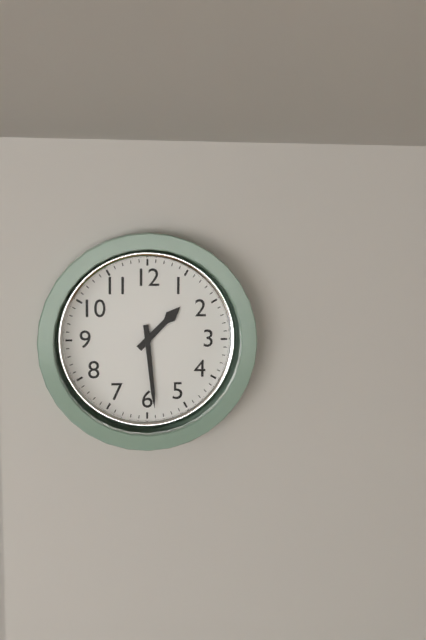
1:29
